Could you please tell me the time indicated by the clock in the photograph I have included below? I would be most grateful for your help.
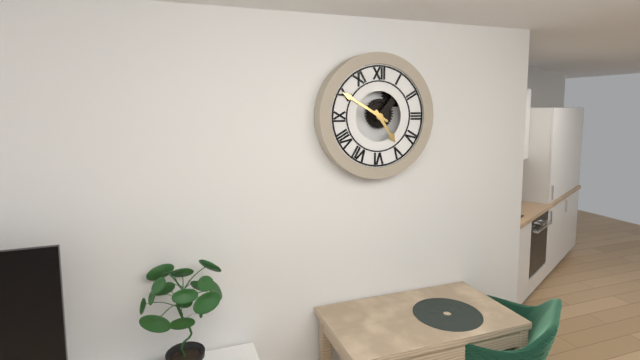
4:50
